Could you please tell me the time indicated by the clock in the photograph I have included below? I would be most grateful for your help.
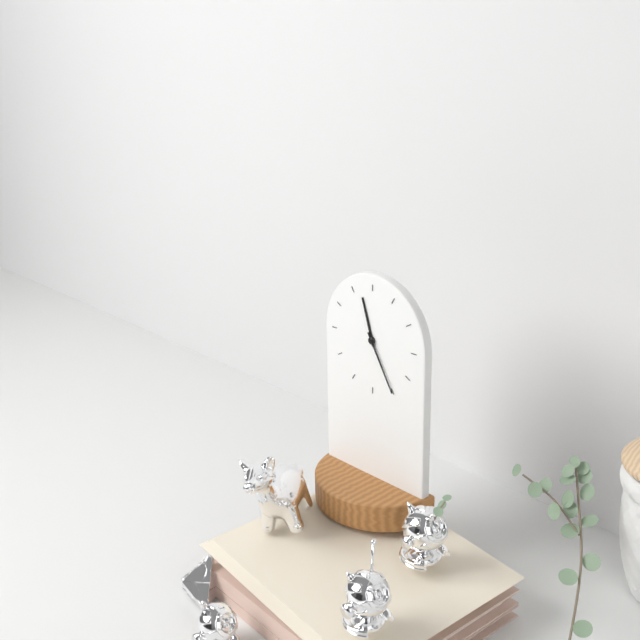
11:25
